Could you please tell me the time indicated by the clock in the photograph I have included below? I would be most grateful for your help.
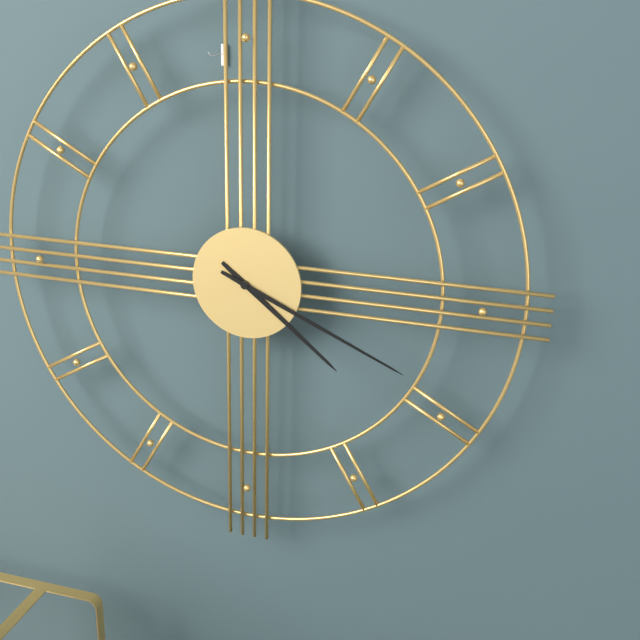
4:19
